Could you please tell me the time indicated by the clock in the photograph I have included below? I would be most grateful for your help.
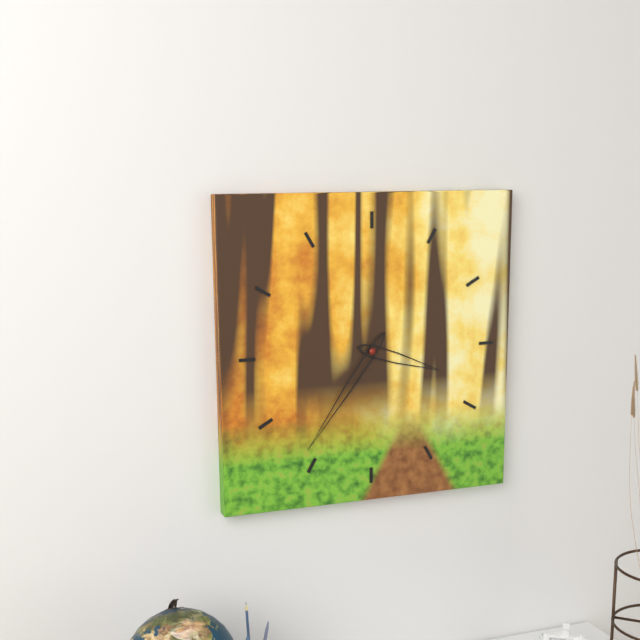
3:36
